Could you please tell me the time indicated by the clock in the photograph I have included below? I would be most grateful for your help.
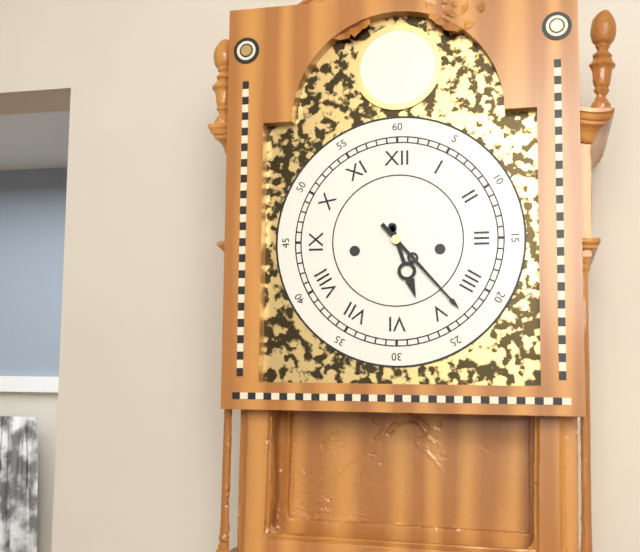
5:23
